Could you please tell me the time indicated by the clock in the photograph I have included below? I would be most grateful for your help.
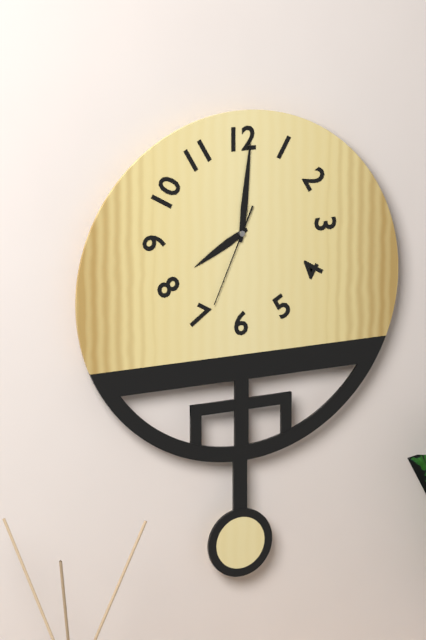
8:01:34
